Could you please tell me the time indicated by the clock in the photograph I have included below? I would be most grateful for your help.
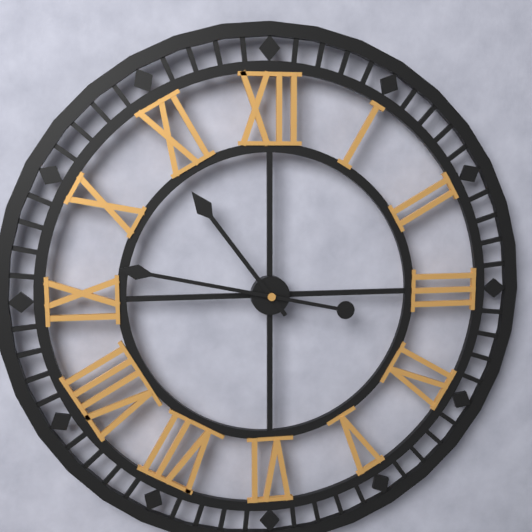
10:47
